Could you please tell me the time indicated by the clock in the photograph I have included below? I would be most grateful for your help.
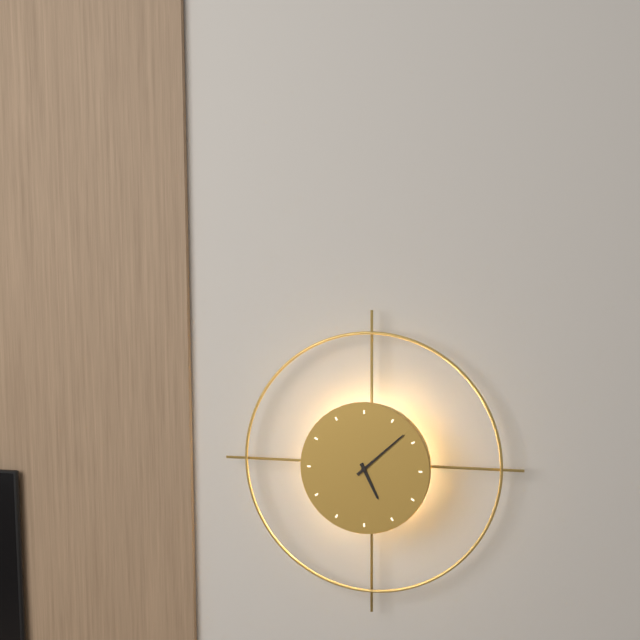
5:08
